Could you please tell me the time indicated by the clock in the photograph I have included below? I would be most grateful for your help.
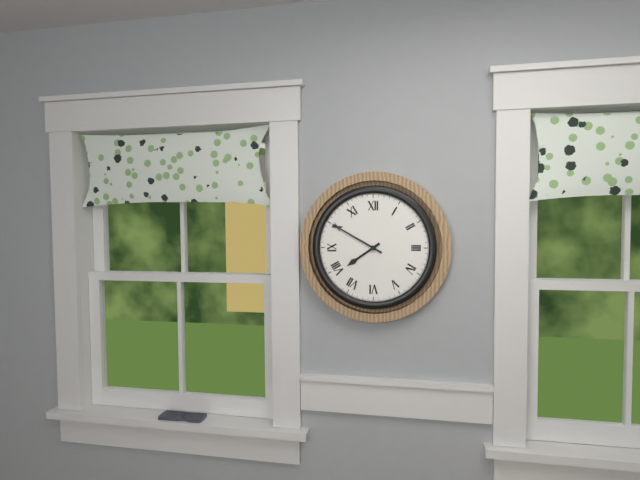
7:50
